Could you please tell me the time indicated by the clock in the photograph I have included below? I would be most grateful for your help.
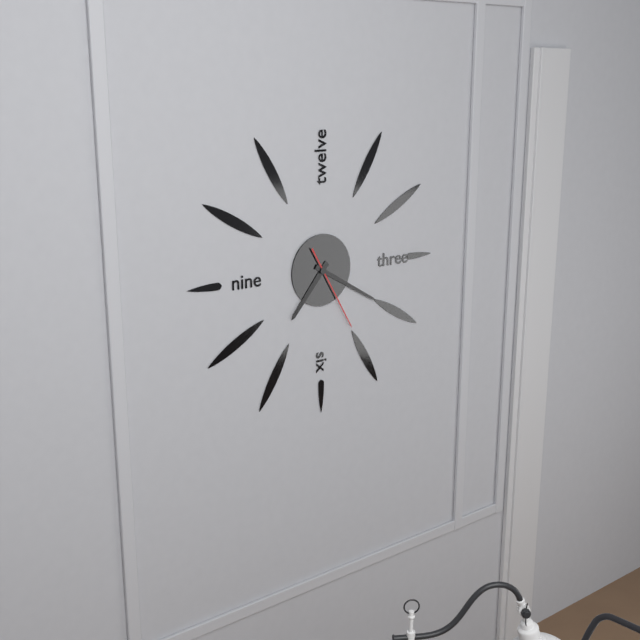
7:20:25
